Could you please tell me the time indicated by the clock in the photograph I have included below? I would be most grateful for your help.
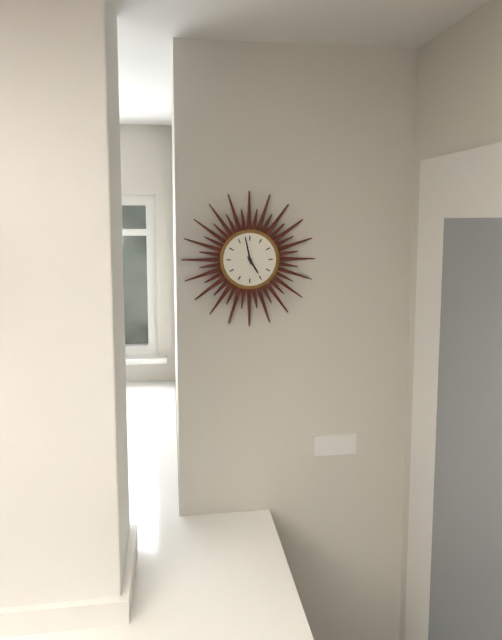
4:58
